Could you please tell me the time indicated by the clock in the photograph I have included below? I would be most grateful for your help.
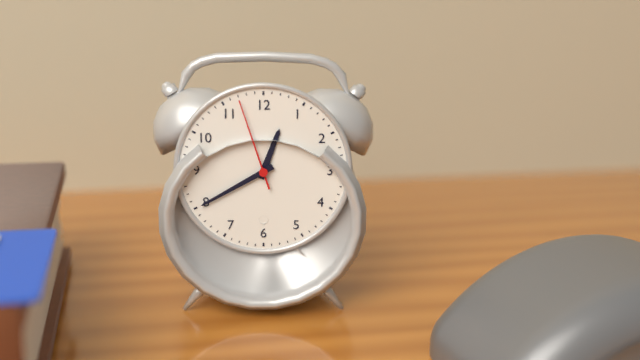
12:40:57
